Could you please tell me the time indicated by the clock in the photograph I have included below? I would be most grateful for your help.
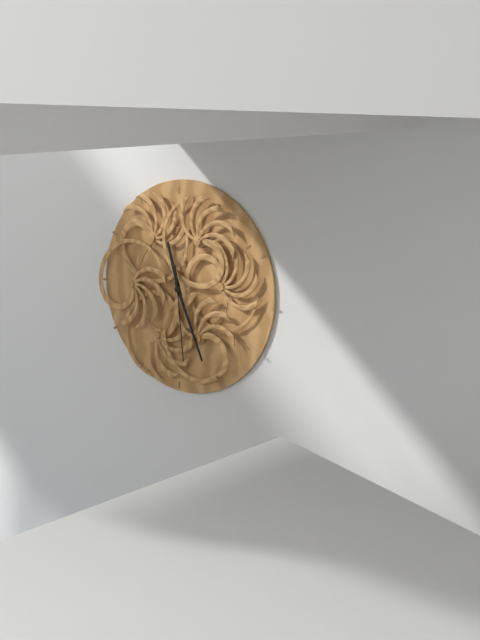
11:26:29
